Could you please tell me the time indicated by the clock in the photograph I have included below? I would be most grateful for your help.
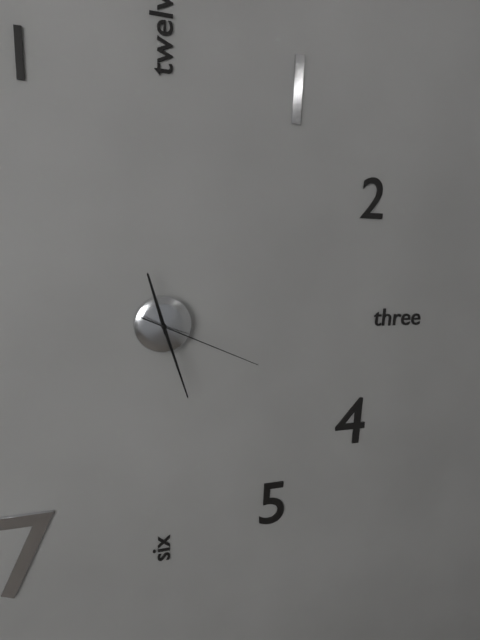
11:27:19
